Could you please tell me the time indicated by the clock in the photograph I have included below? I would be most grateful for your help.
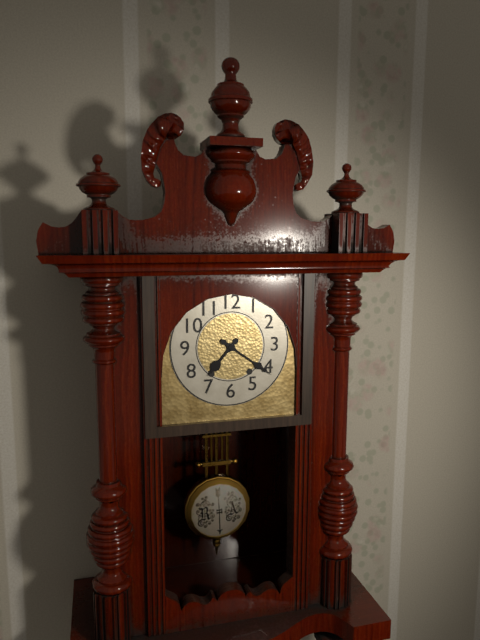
7:21
